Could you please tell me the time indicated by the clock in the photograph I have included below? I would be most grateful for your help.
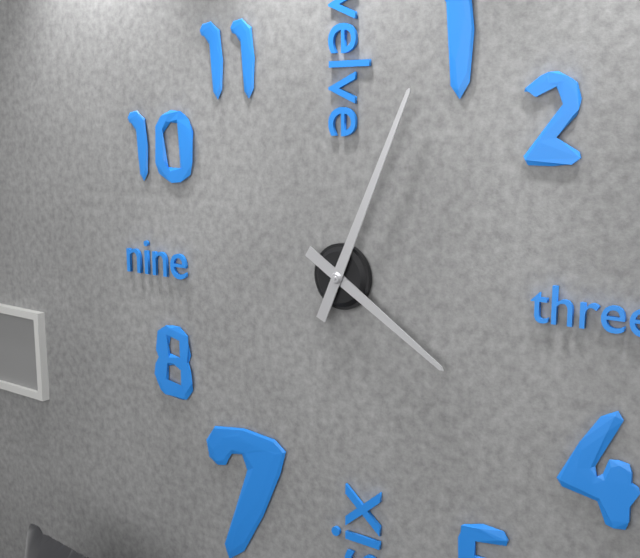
4:04
